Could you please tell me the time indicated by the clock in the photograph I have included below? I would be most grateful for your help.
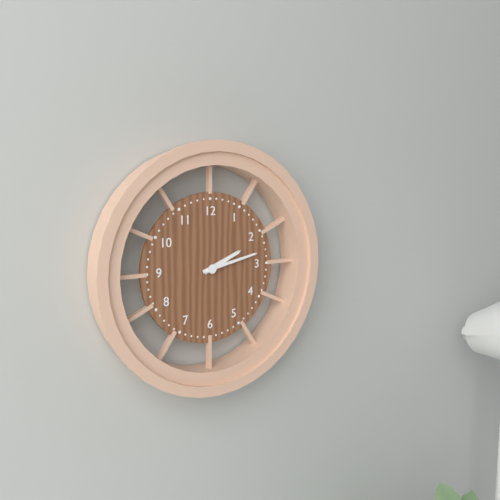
2:13
